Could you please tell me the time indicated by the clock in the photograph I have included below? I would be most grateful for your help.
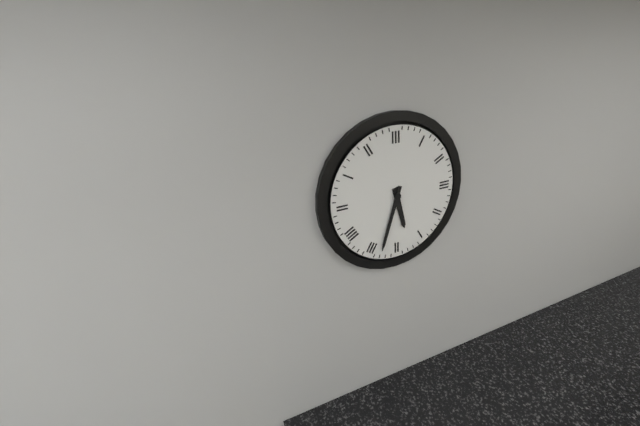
5:33
